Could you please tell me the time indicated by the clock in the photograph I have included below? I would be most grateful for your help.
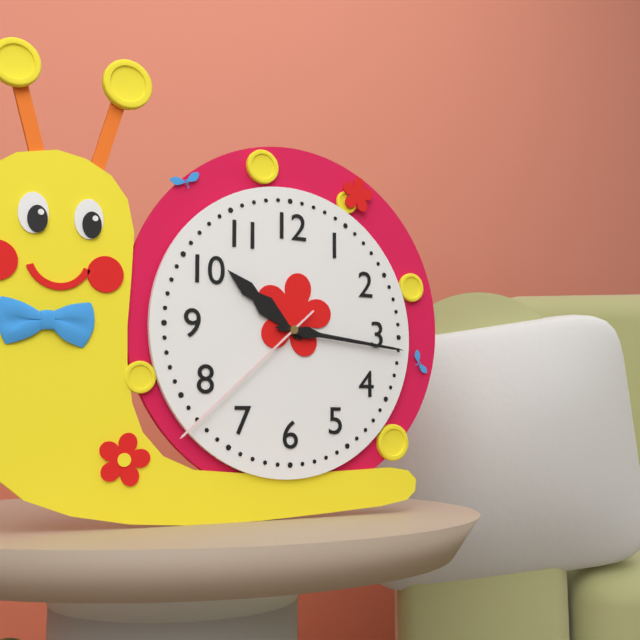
10:16:38
